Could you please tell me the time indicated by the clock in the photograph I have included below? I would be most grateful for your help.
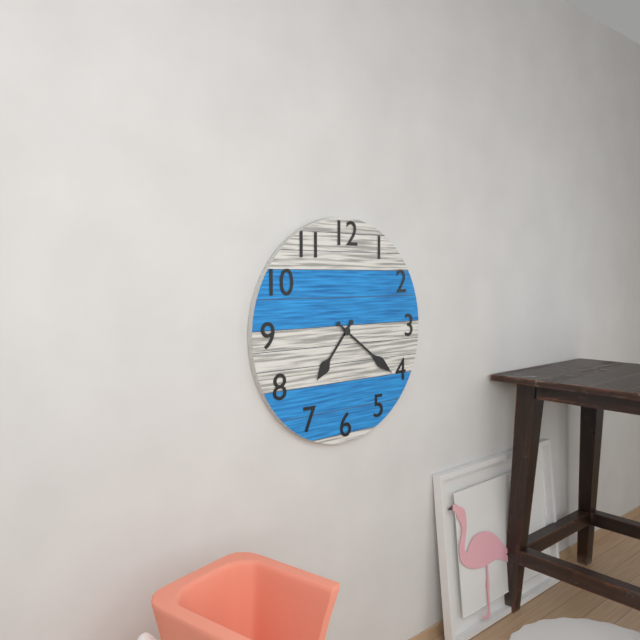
7:21
